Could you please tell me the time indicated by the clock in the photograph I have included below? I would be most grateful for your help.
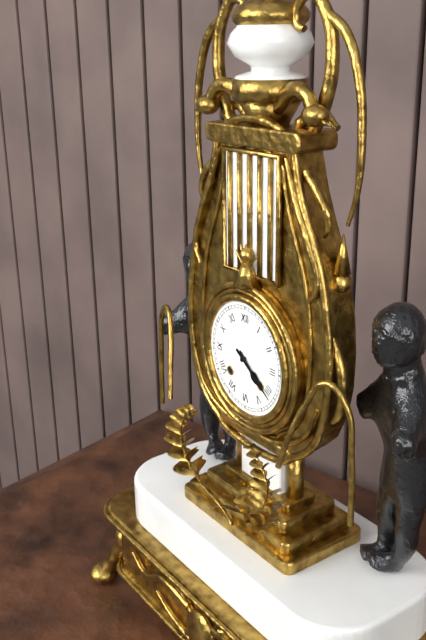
4:21
